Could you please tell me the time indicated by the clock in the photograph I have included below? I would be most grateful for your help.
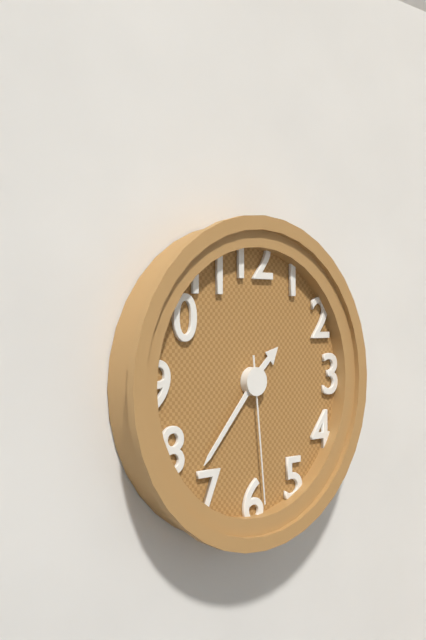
1:37:29
